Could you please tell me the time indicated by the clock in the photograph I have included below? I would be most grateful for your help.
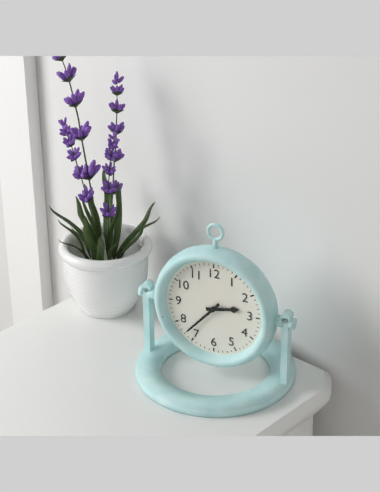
2:37
